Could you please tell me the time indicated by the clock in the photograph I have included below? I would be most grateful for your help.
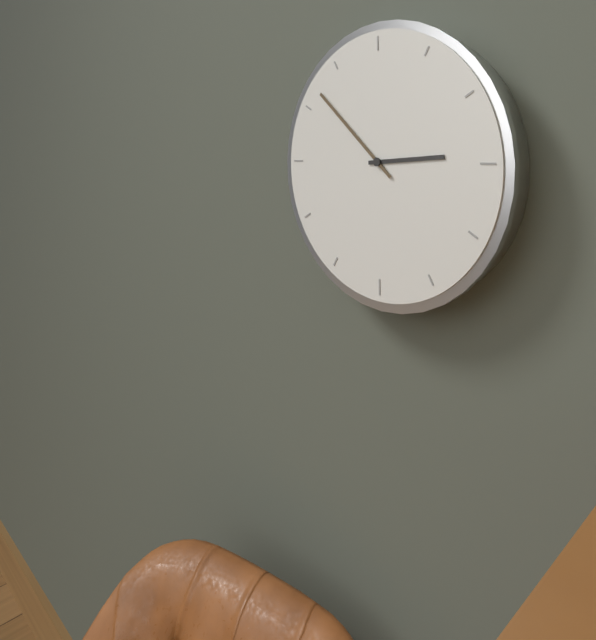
2:52
